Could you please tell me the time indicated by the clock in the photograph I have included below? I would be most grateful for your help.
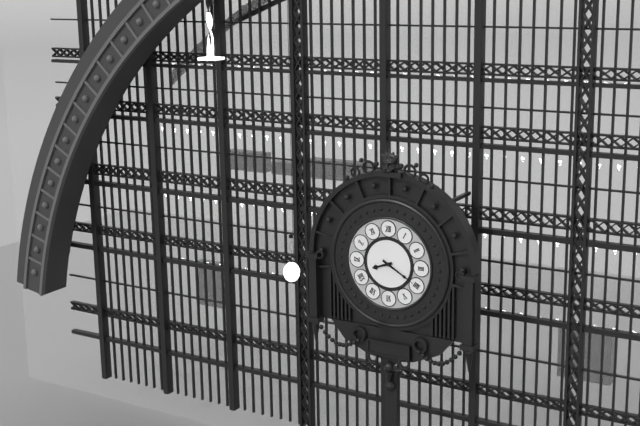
8:20
